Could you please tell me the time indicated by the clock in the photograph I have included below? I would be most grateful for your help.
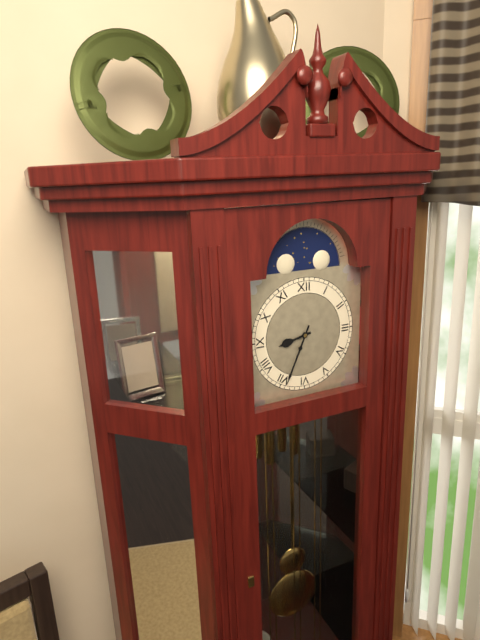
8:34
